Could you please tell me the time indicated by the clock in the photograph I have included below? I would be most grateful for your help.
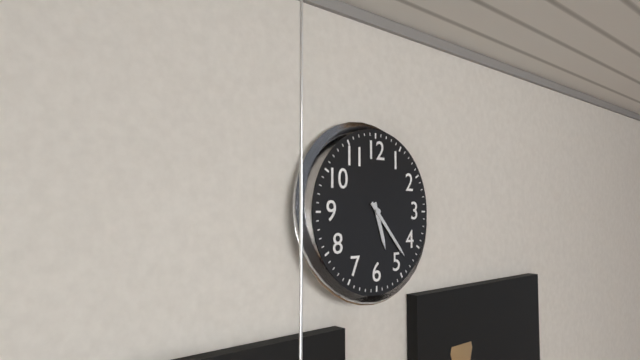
5:23
